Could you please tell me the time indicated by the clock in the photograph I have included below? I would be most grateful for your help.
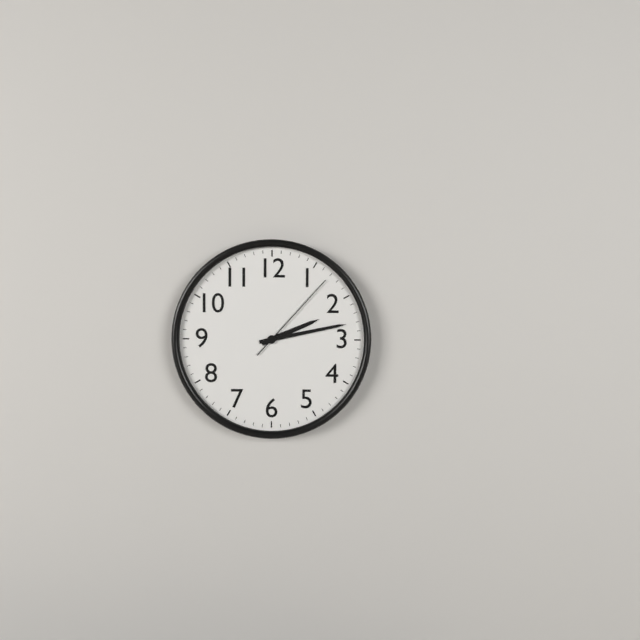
2:13:07
